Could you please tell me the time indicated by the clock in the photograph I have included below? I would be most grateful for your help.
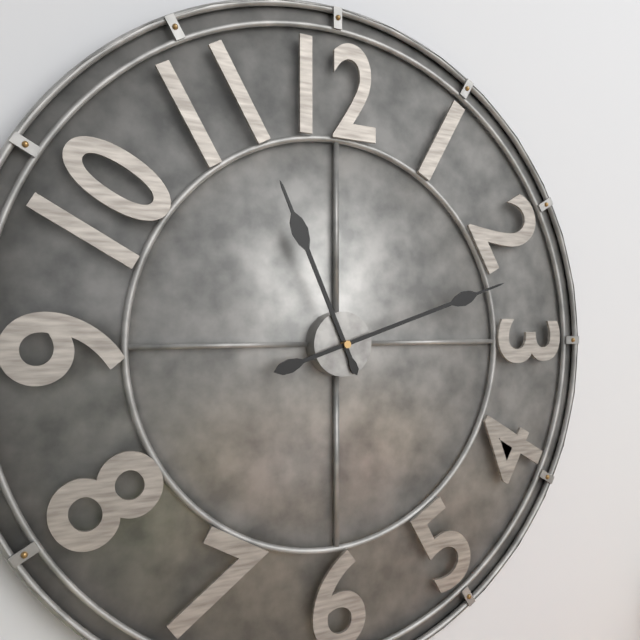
11:12
